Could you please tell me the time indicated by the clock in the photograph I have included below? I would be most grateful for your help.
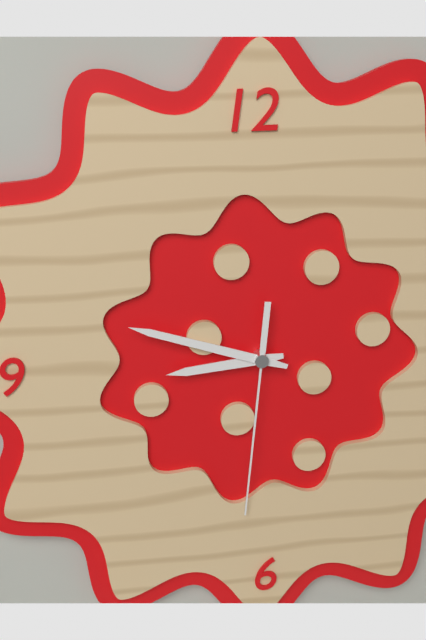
8:48:31
